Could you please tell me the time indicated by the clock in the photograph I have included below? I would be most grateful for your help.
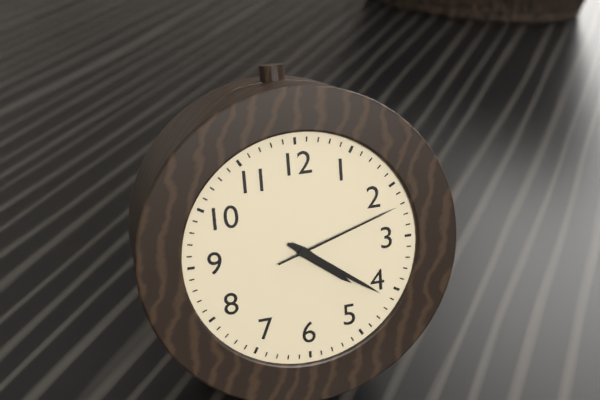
4:21:12
